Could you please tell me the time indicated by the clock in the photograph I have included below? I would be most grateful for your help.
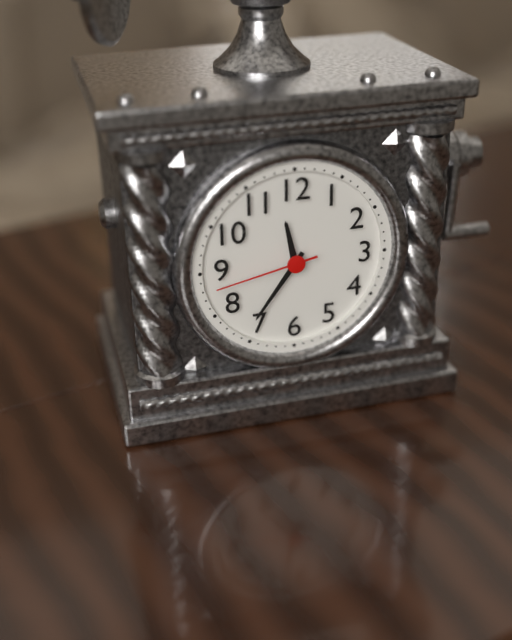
11:36:43
